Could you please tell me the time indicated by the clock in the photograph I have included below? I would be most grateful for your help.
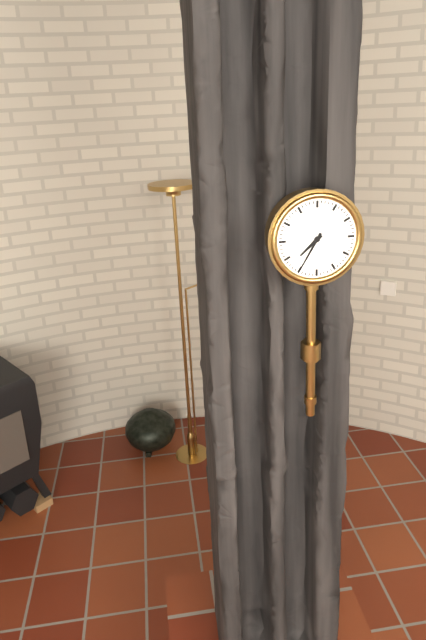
7:35
